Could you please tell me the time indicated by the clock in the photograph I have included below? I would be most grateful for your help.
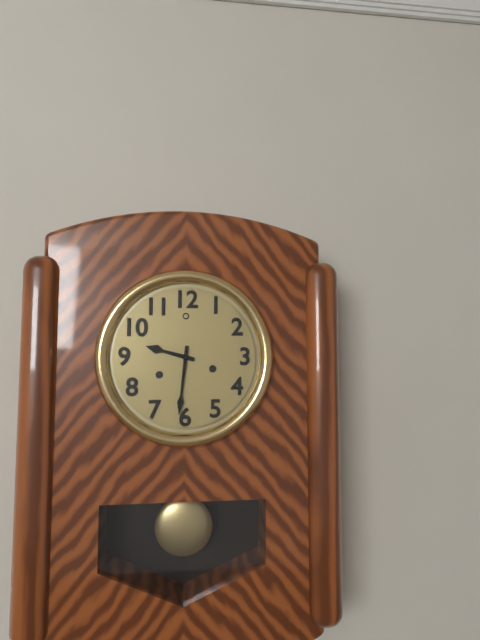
9:31
